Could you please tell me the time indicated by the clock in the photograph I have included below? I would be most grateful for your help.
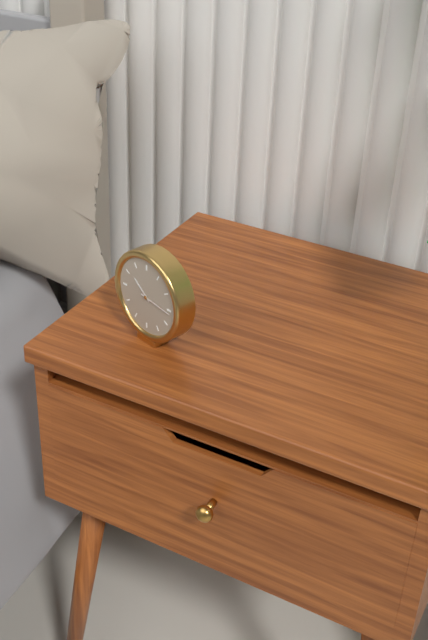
10:16
